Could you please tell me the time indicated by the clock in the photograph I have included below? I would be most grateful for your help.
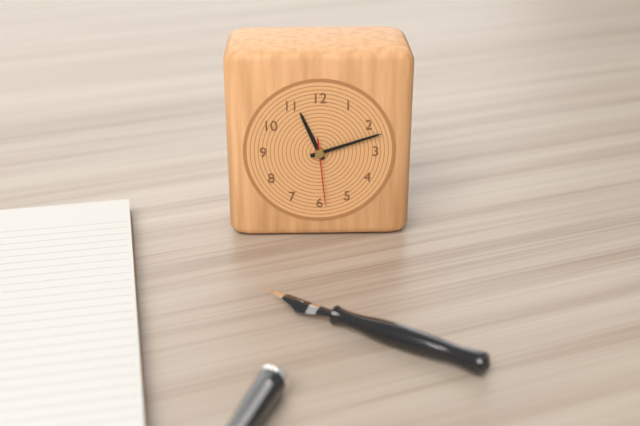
11:12:29
